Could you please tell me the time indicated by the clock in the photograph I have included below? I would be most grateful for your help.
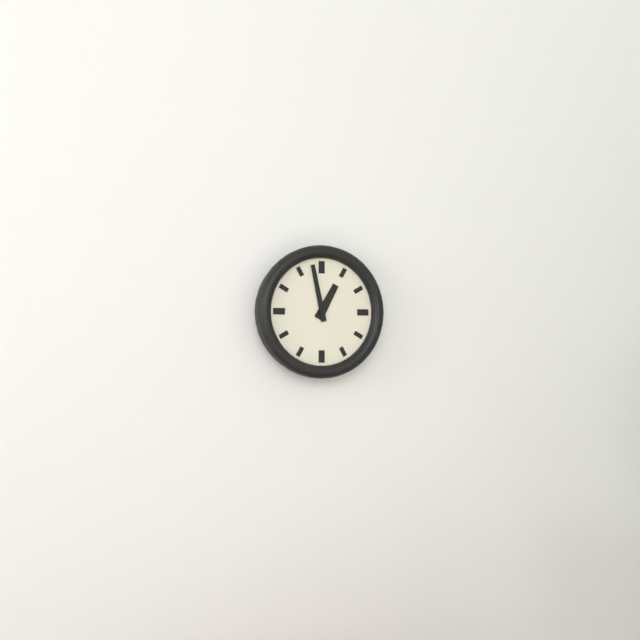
12:58
